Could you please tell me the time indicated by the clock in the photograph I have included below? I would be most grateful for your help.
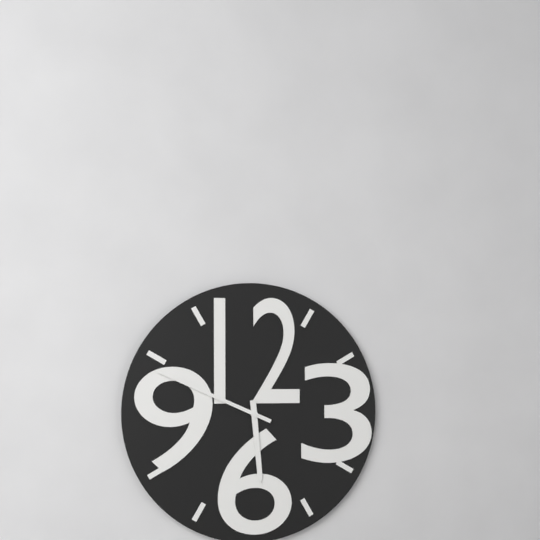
5:49
